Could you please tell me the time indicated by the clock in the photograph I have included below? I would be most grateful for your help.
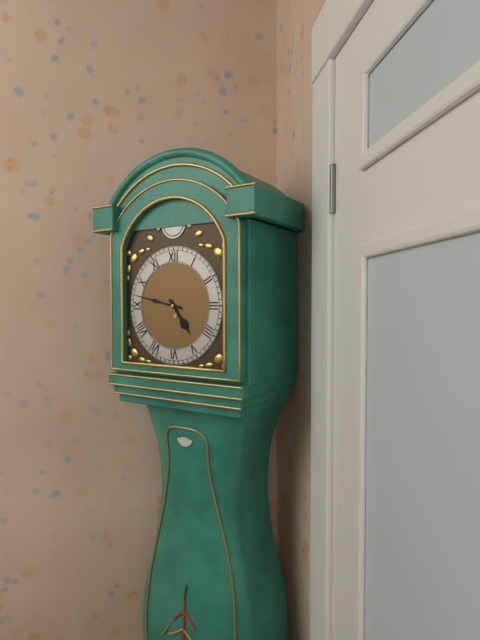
4:47
